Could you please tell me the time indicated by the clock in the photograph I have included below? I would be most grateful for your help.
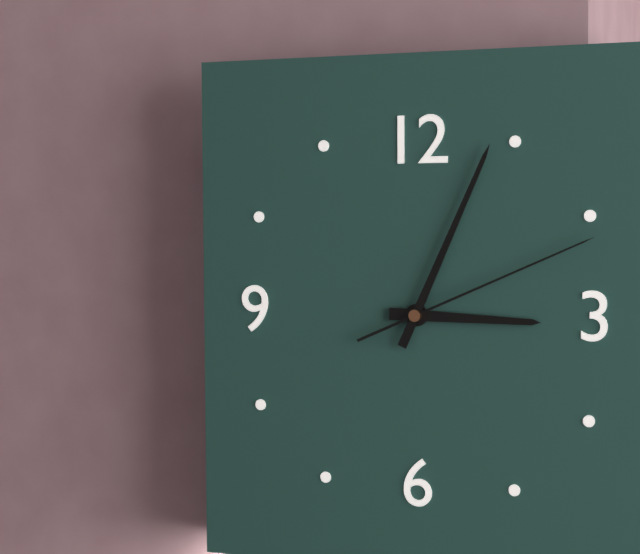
3:04:11
